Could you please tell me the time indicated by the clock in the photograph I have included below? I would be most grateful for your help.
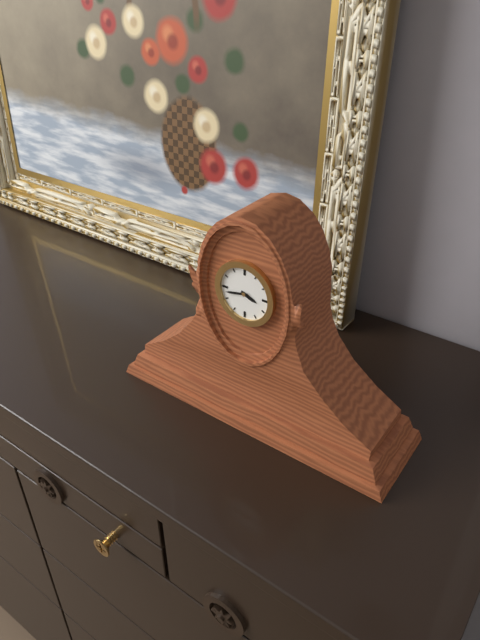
3:43
